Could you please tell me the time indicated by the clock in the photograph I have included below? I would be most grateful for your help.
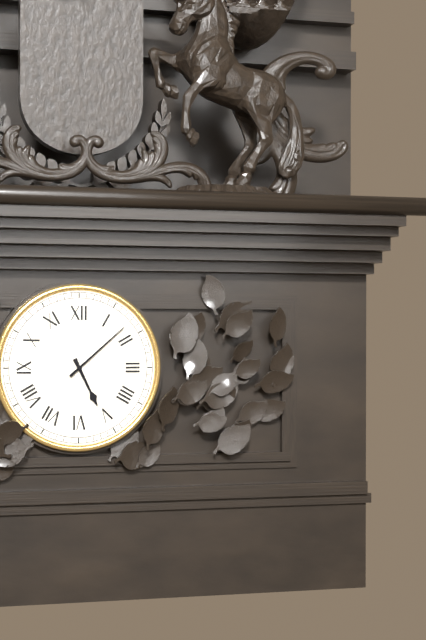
5:08
